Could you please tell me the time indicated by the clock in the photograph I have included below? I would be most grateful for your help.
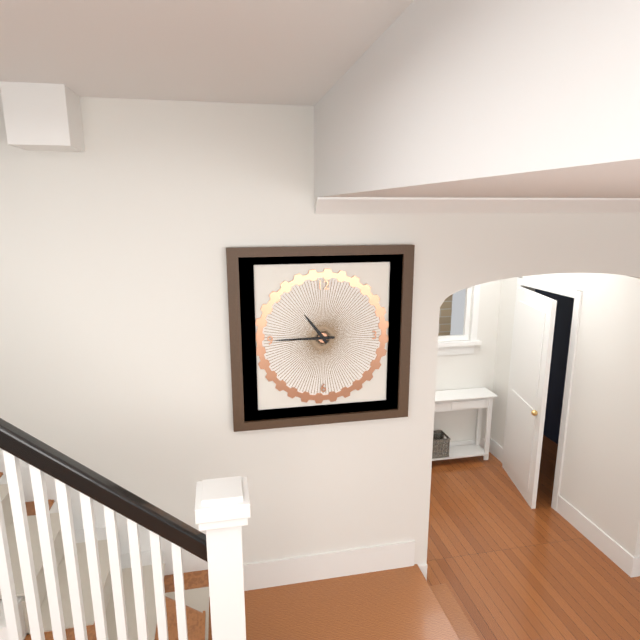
10:45
